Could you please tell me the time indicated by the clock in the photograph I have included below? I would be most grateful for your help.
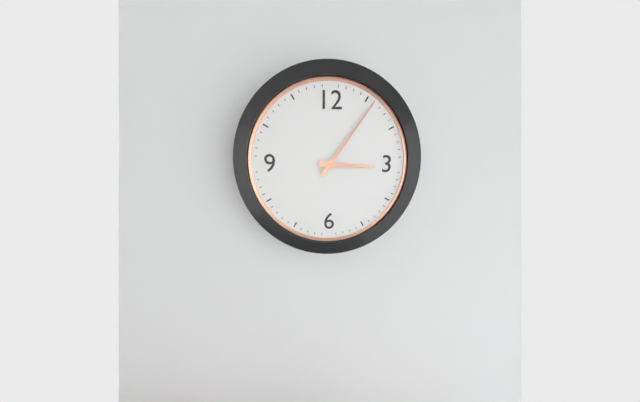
3:06
